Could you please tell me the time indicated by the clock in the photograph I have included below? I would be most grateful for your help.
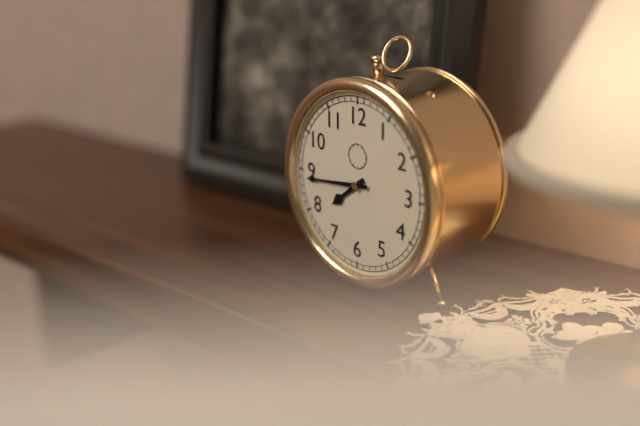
7:44
